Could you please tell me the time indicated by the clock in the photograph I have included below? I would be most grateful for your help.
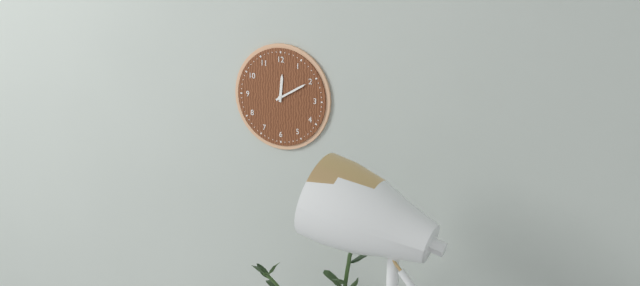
12:10
